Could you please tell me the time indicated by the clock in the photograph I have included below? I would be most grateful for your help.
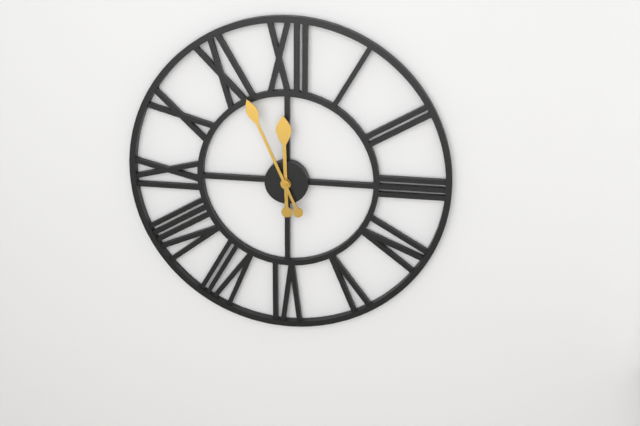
11:56
